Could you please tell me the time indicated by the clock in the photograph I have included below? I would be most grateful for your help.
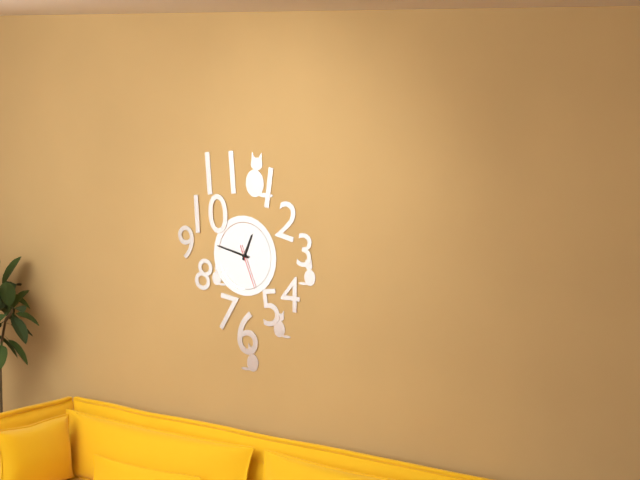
12:47
